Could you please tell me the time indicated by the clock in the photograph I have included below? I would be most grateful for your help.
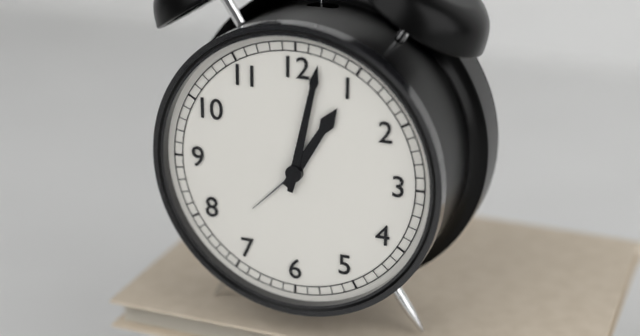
1:02
